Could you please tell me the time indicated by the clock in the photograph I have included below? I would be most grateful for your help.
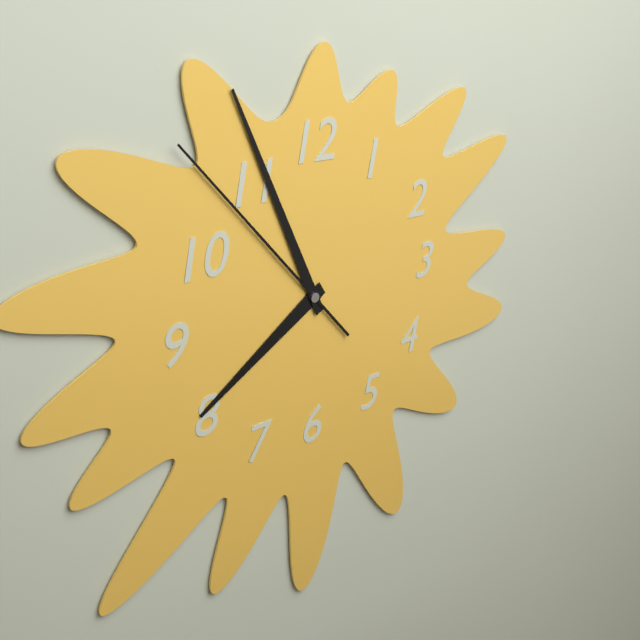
7:56:53
